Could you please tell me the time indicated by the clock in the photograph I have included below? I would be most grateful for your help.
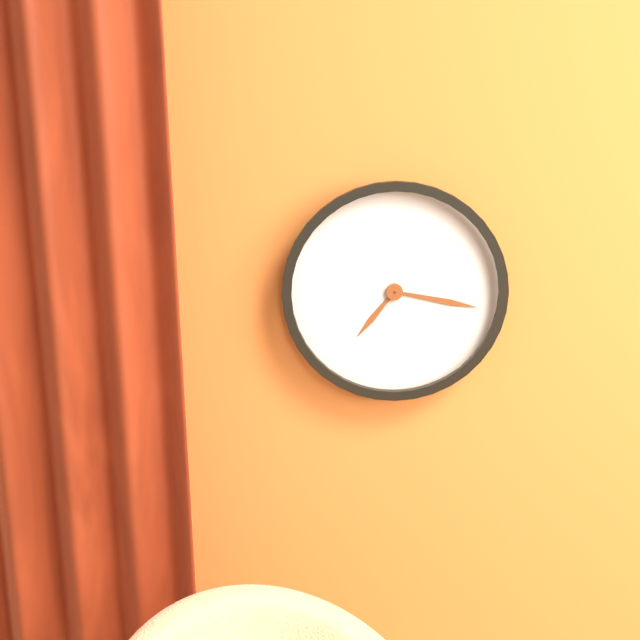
7:17
